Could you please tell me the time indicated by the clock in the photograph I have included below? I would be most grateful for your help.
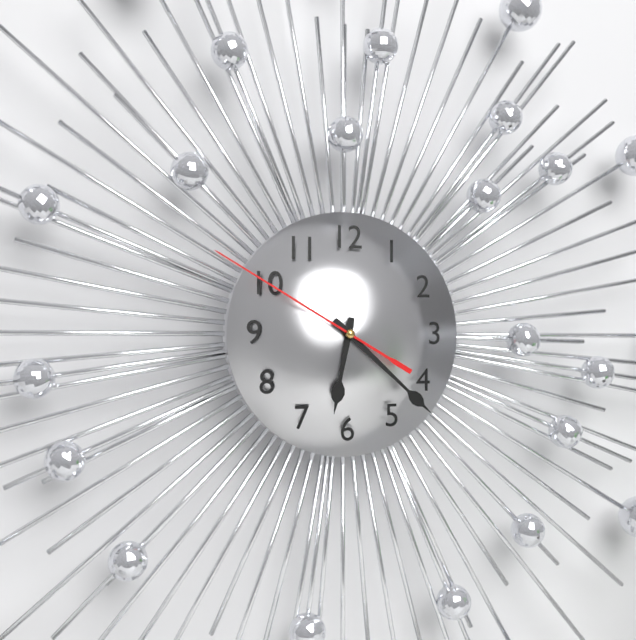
6:22:50
